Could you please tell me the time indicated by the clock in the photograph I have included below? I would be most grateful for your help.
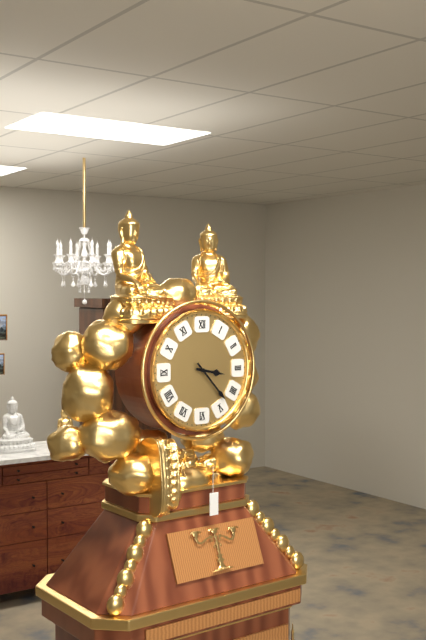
3:23
